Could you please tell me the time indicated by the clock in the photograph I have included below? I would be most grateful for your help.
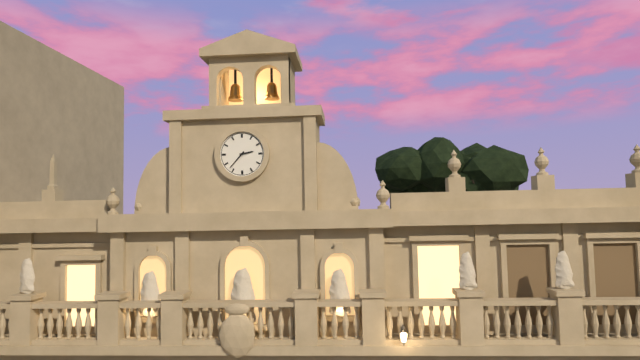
2:37
